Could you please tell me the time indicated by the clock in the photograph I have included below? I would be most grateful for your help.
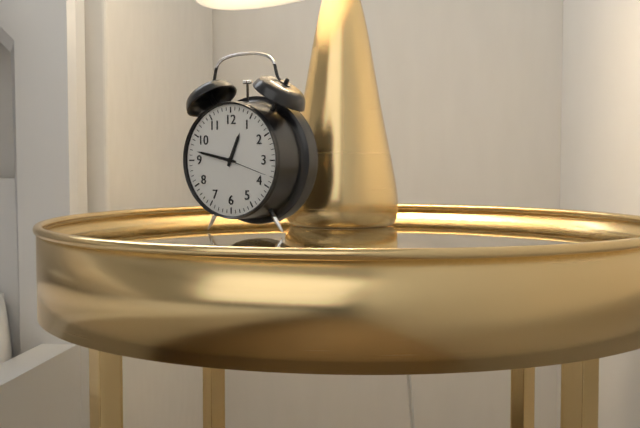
12:47
